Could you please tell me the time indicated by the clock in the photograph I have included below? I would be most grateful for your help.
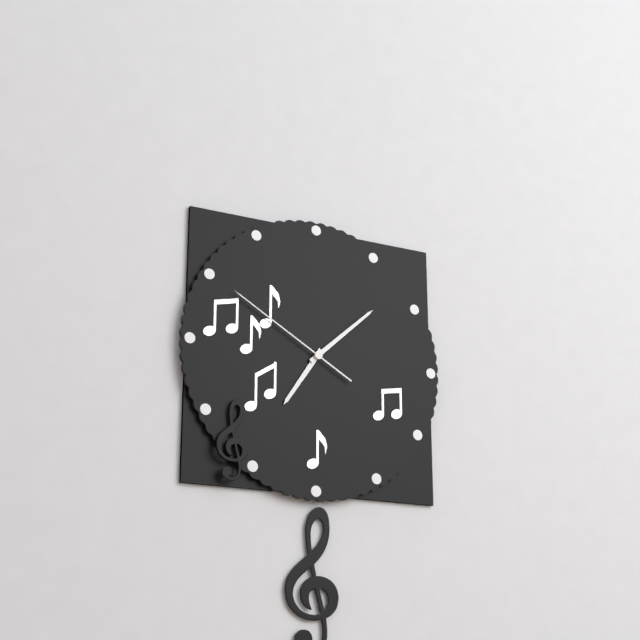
7:08:50
